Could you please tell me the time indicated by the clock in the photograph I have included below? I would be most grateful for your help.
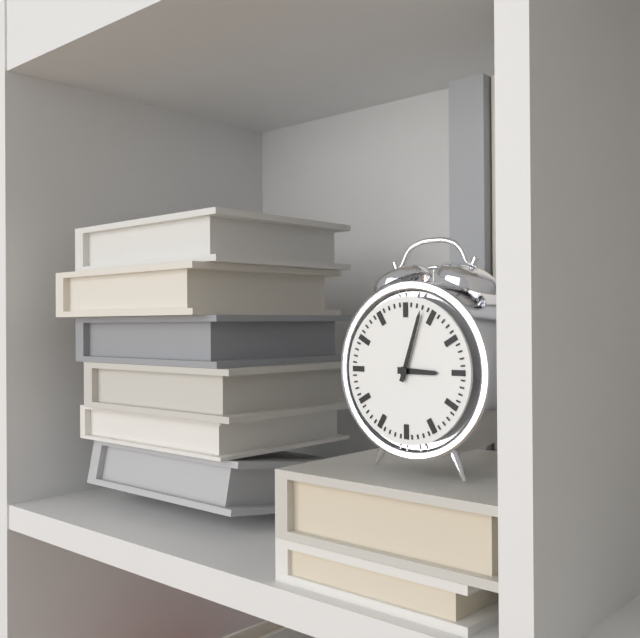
3:03
